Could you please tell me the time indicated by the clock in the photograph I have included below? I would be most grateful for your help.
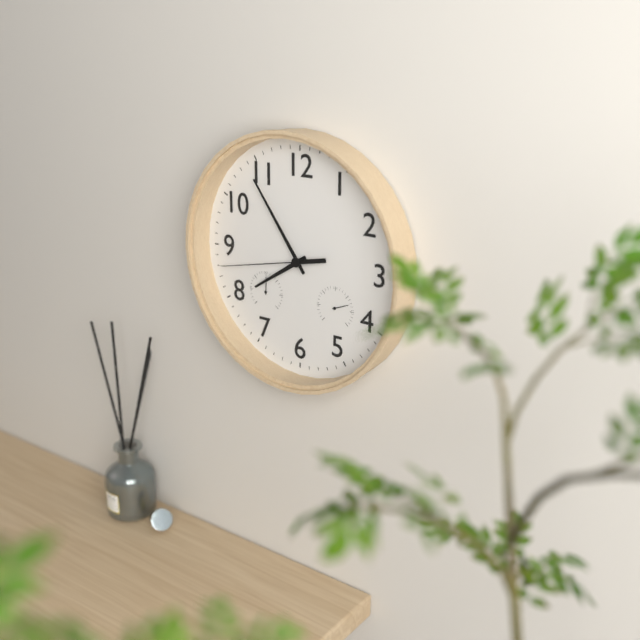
7:54:43
